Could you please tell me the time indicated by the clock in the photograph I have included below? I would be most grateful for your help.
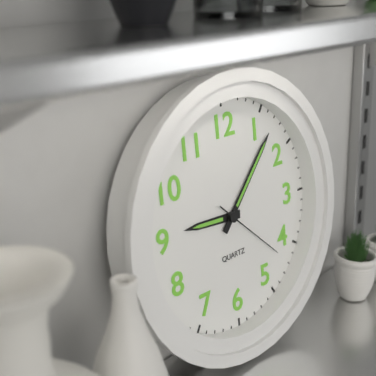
9:07:22
